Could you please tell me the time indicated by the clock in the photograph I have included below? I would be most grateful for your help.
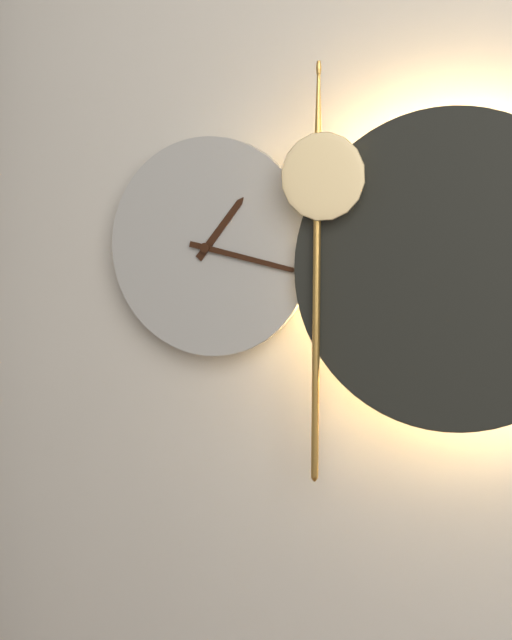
1:17
